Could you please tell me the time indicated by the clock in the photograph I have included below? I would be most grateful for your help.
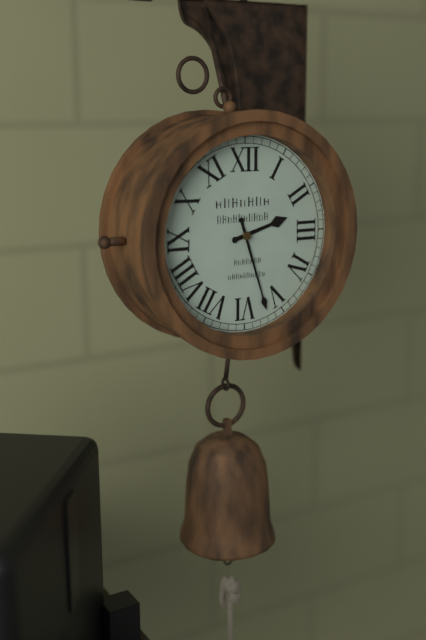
2:27
